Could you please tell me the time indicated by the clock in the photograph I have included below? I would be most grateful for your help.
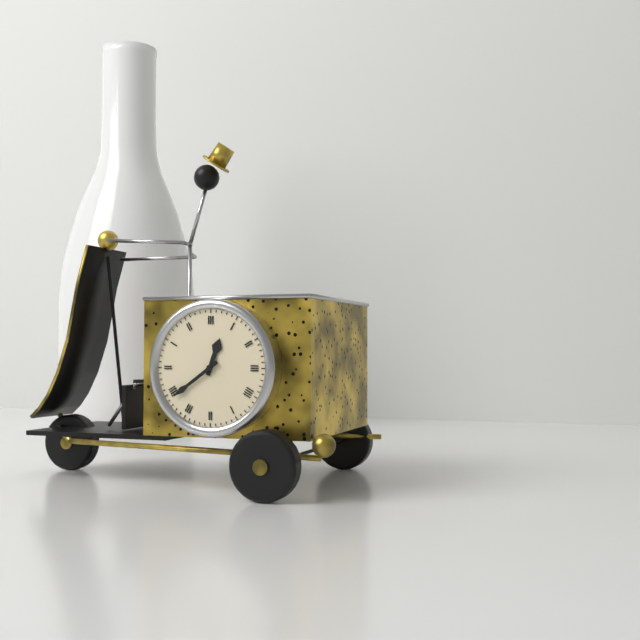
12:39
